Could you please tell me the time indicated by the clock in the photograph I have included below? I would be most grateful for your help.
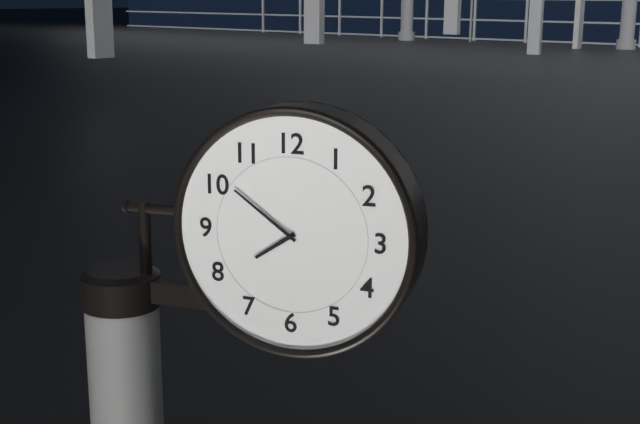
7:51
